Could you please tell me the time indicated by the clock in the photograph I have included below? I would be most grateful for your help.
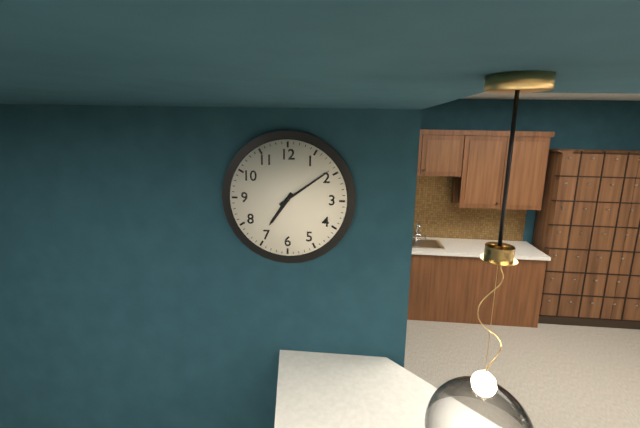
7:09
